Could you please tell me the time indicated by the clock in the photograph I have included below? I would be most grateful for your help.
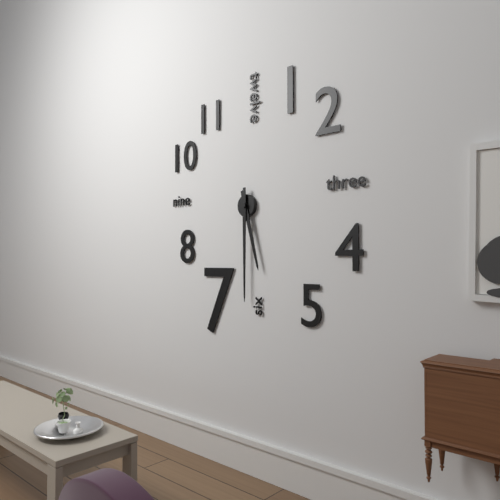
5:30
